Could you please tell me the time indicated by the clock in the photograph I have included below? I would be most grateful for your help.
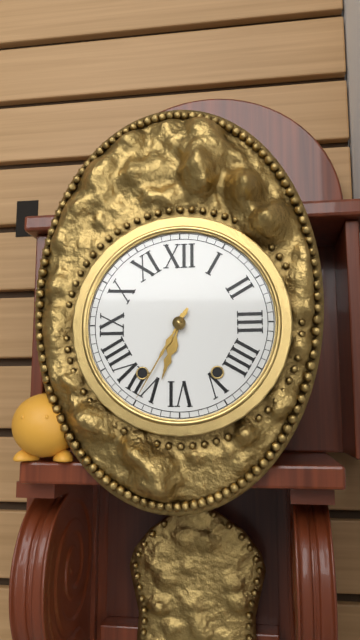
6:35
